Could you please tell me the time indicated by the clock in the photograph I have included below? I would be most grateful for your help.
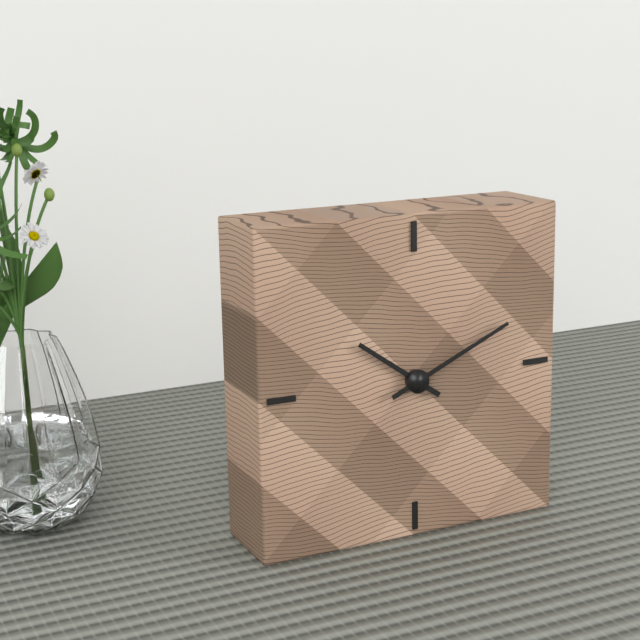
10:11
